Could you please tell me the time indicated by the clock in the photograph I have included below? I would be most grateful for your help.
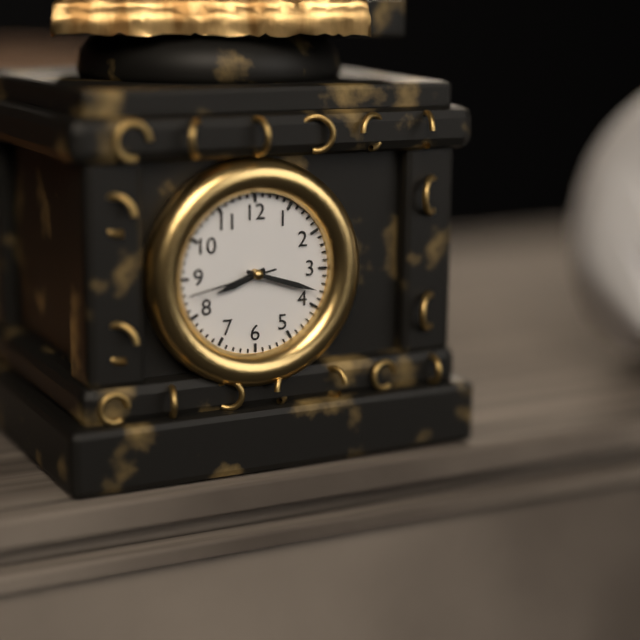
8:18:43
